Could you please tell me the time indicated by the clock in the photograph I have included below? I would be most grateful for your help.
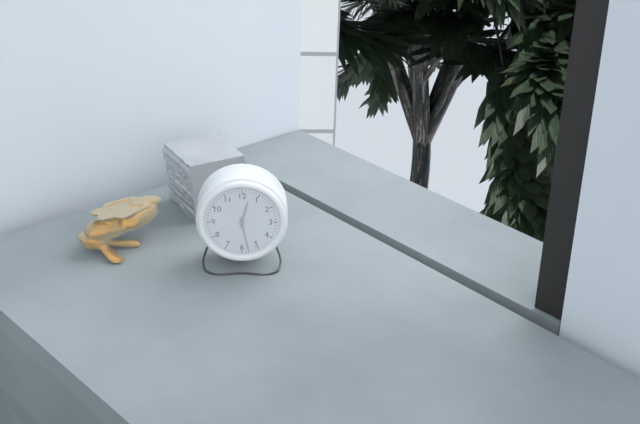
12:28
